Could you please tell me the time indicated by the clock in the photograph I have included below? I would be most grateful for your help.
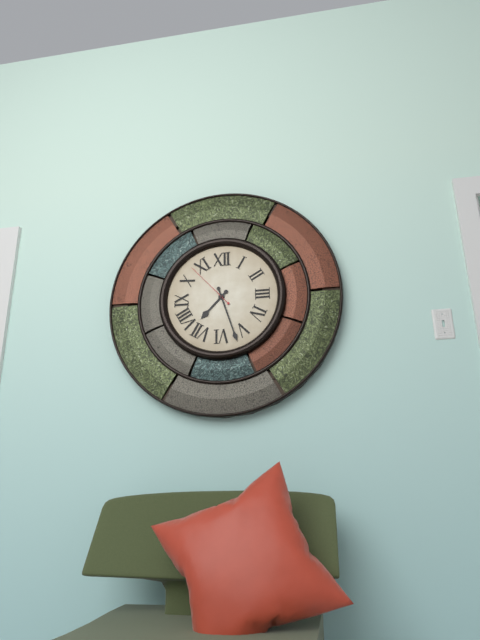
7:27:53
